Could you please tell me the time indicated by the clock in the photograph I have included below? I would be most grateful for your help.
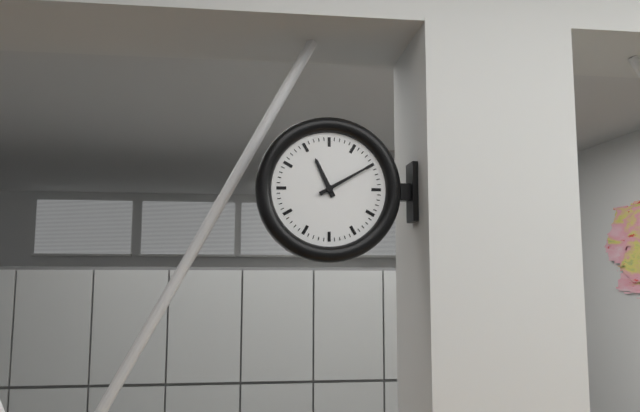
11:10
